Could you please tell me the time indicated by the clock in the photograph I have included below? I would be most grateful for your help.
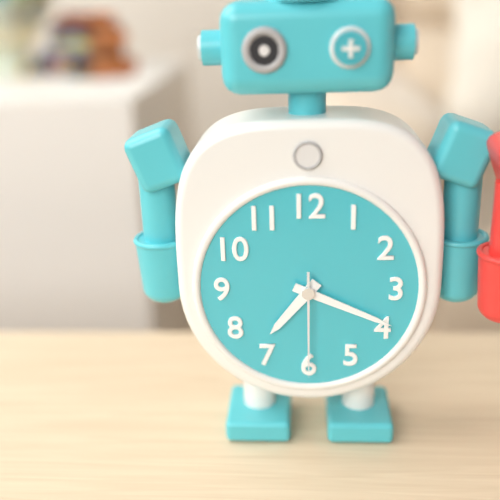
7:19:30
